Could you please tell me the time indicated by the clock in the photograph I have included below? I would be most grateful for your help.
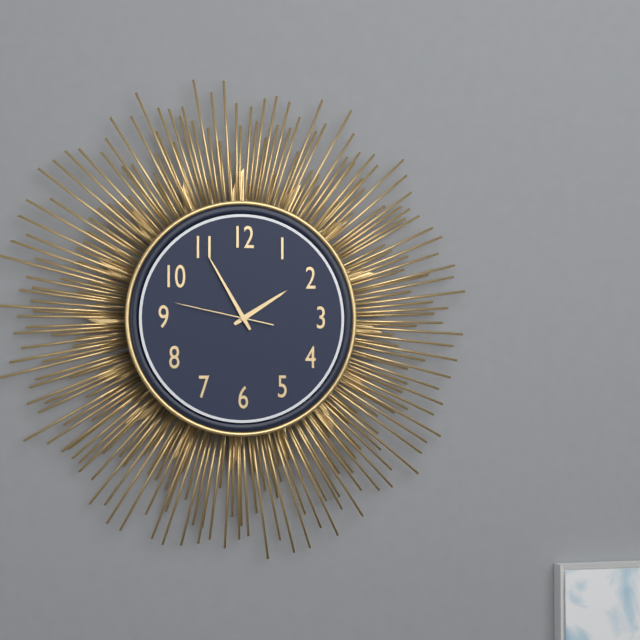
1:55:47
